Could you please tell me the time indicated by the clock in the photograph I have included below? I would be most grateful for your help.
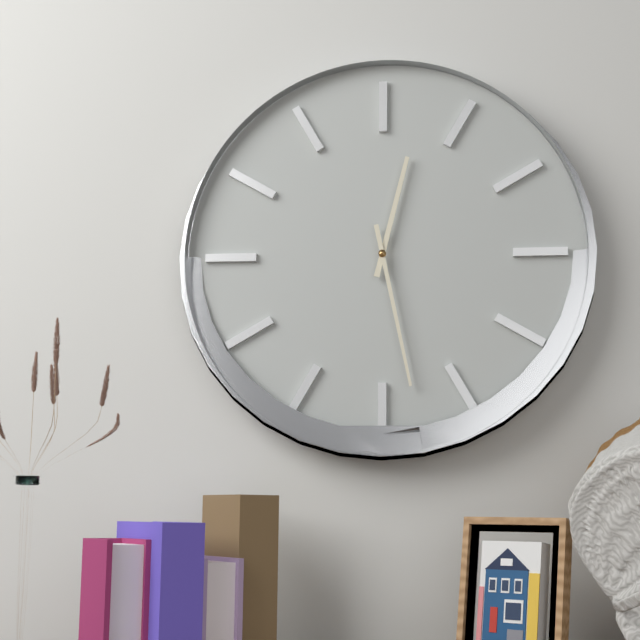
12:28
